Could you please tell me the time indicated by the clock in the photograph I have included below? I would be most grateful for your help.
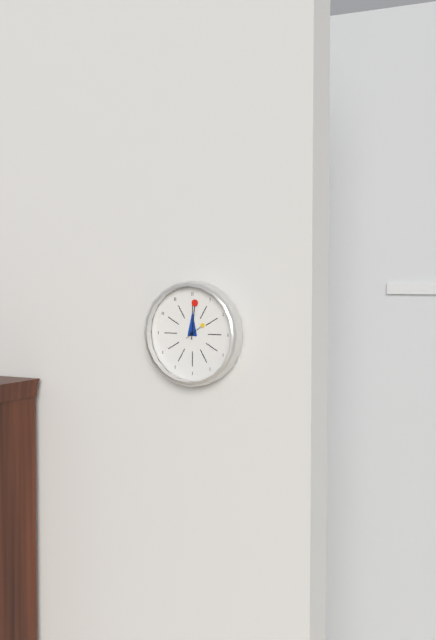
12:01
